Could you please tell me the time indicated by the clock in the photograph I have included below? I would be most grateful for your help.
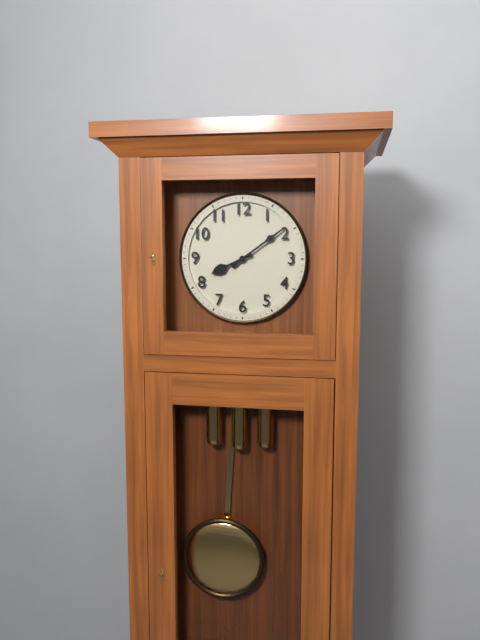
8:09
